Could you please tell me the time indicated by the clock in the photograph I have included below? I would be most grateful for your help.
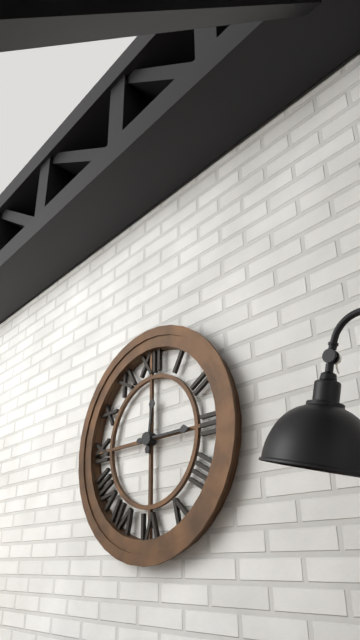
12:15
